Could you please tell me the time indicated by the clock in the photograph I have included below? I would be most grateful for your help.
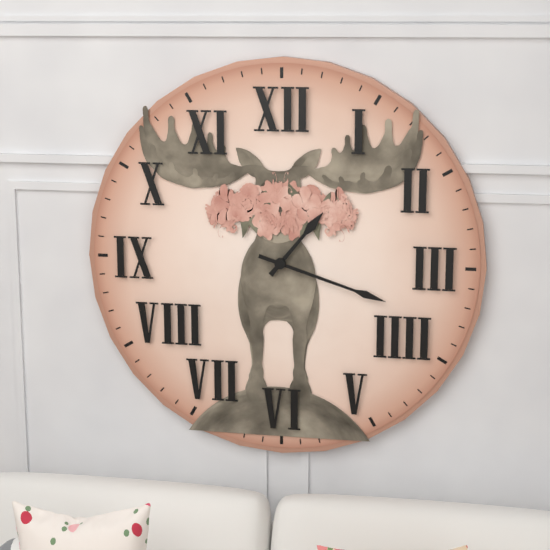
1:18
